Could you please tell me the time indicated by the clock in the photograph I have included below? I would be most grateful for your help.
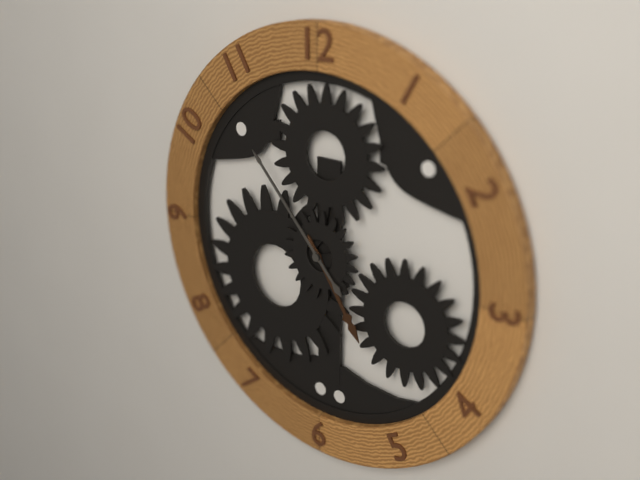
4:53
